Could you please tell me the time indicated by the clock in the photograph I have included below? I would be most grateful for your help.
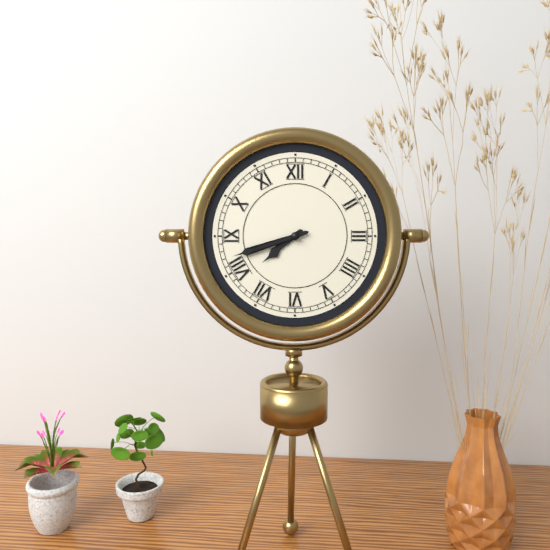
7:42
